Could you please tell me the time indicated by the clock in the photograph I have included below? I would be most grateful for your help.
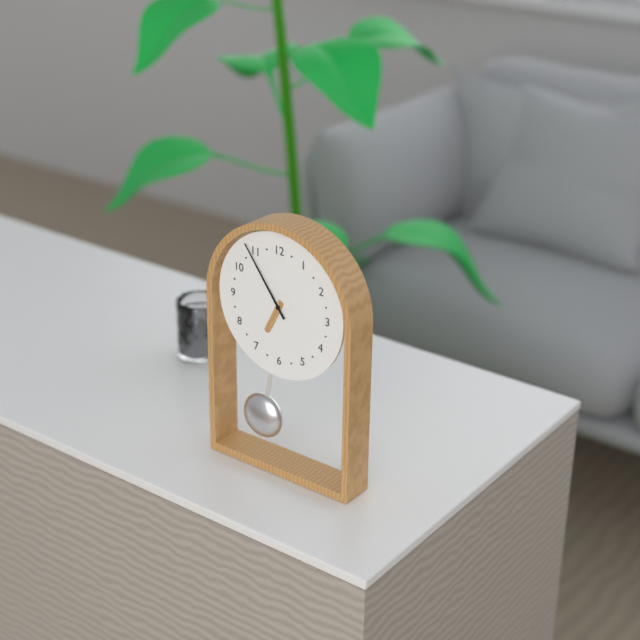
6:54
